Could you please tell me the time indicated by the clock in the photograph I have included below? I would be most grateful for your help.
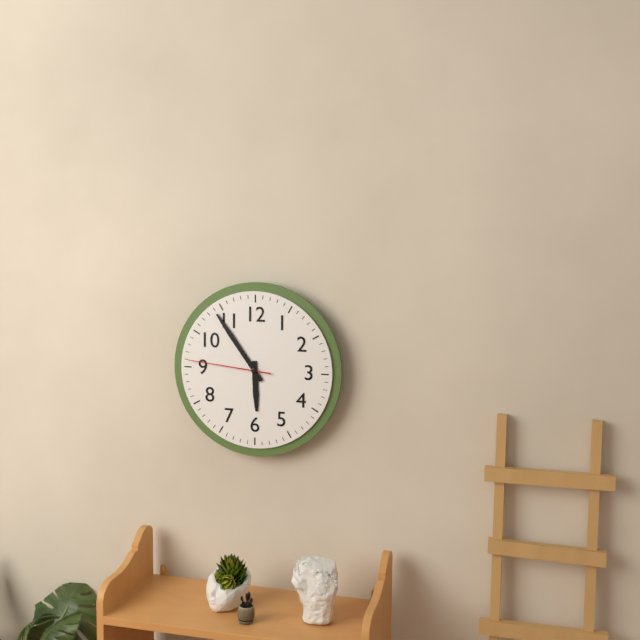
5:54:46
